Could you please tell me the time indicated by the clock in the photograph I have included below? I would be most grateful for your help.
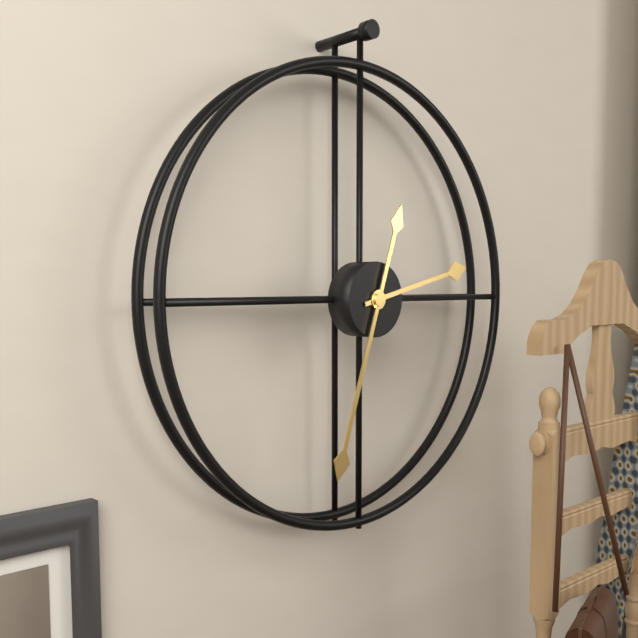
2:33
